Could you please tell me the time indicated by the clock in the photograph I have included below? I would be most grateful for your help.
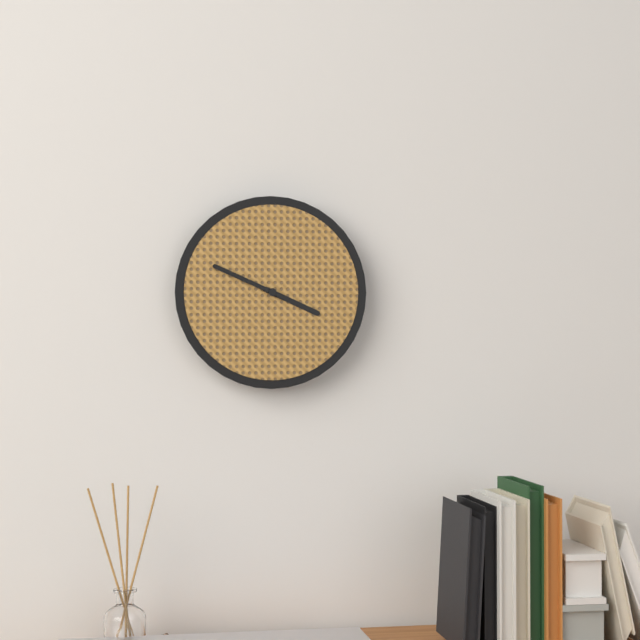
3:49
